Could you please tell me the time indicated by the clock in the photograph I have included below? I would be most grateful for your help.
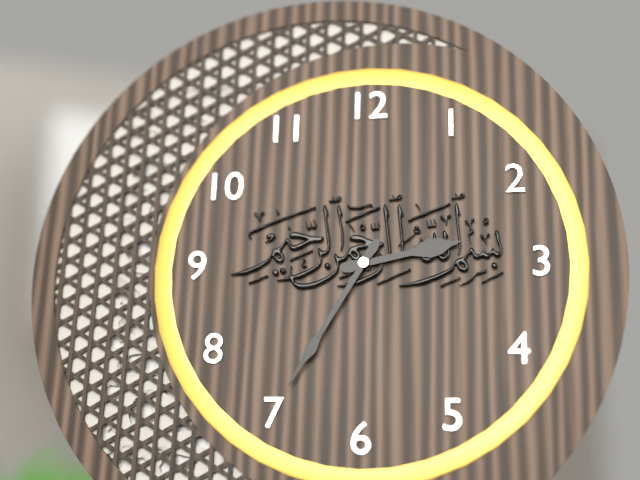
2:35
